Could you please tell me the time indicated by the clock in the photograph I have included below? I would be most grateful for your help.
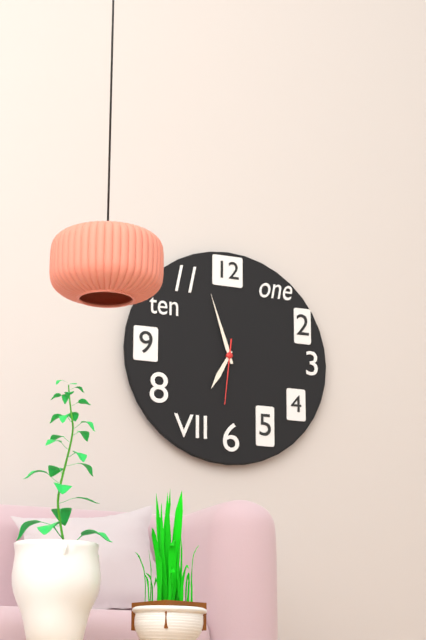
6:57:31
